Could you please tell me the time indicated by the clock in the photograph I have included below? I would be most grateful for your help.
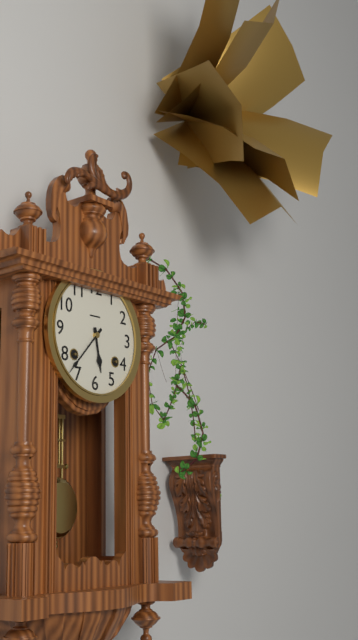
5:37
